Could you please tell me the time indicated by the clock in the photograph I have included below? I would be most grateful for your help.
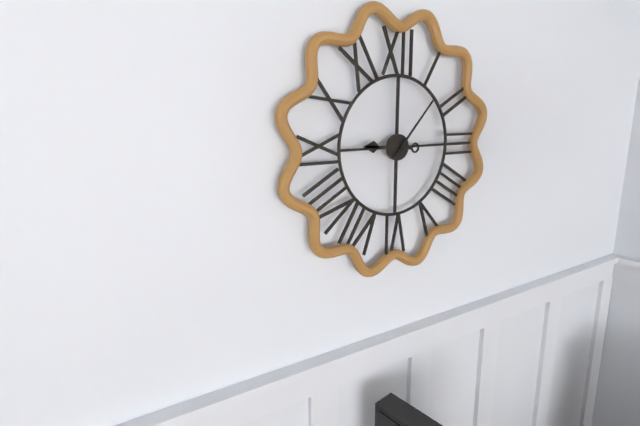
9:07
